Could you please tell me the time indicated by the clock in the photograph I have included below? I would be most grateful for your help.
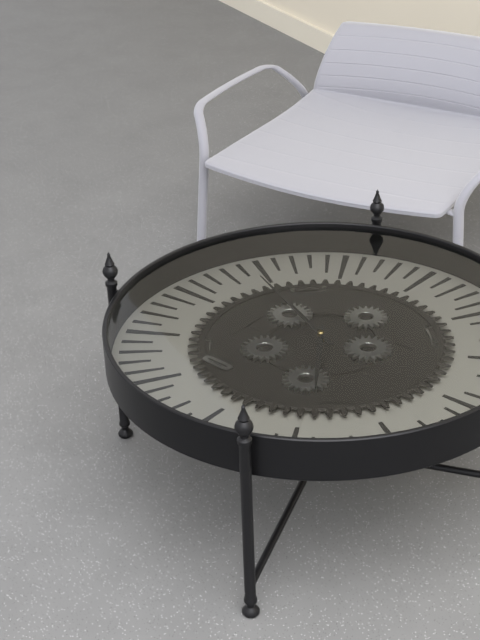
4:49
